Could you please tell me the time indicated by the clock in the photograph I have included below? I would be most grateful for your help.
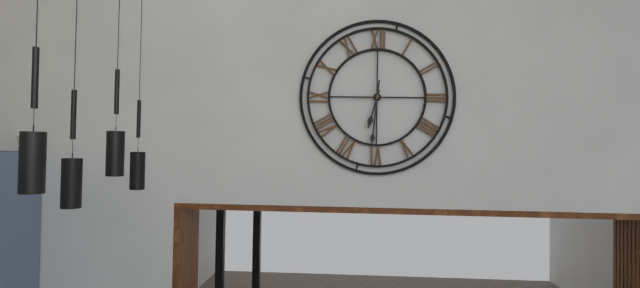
6:31
